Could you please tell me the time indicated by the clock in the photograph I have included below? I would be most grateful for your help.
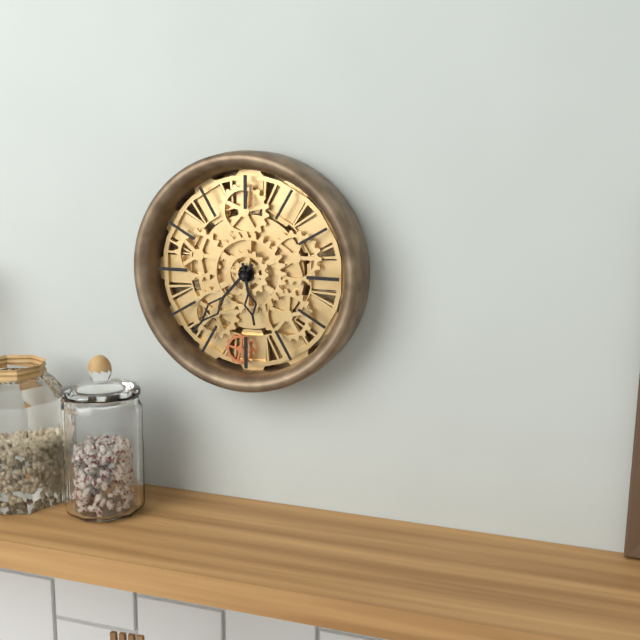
5:37
